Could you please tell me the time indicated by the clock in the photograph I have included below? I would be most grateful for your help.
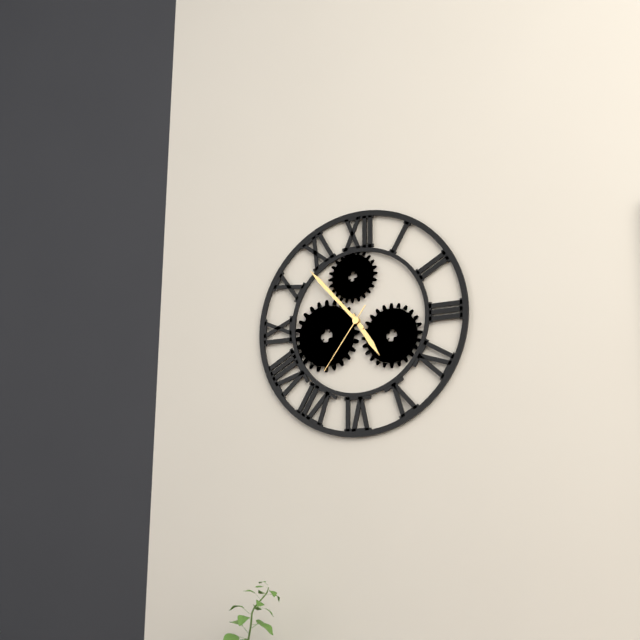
4:53:36
